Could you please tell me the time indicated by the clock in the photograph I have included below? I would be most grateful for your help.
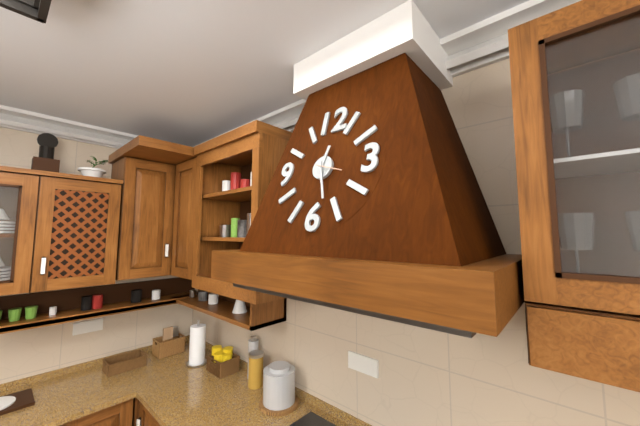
12:27
